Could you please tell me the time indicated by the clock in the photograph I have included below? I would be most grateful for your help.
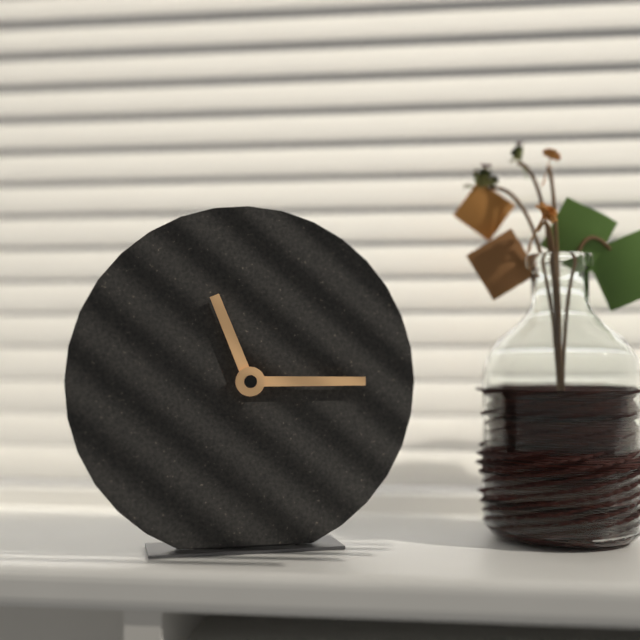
11:15
